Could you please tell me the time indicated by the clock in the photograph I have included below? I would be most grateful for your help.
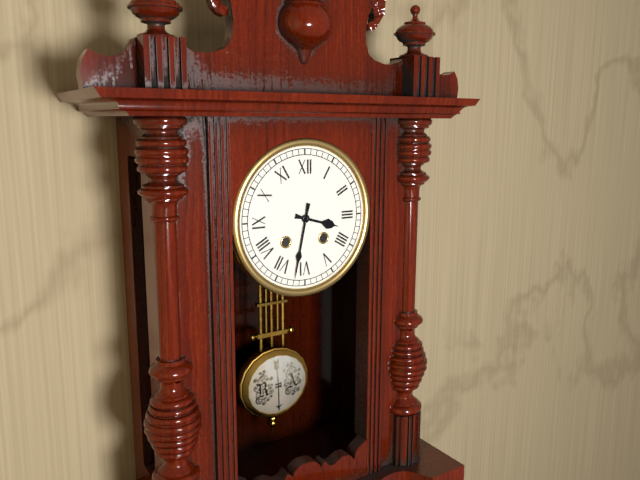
3:32
